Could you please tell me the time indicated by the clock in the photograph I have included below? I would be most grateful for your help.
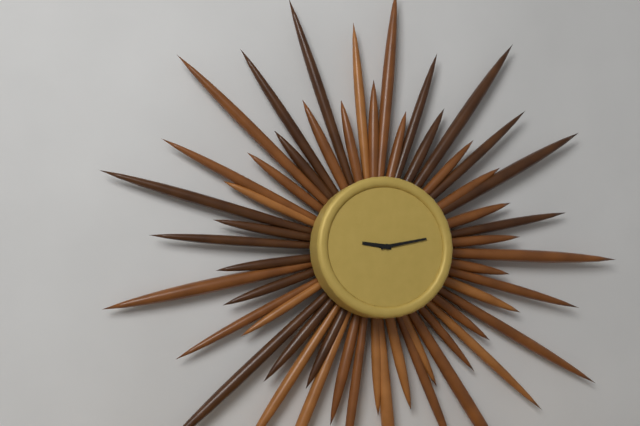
9:13
